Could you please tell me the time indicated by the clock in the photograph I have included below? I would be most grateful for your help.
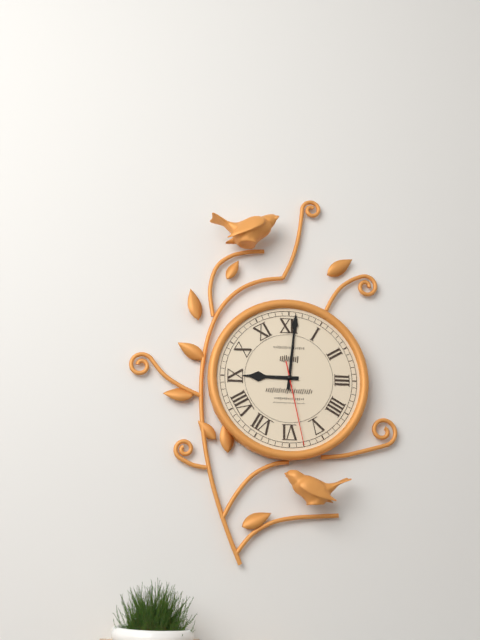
9:01:28
